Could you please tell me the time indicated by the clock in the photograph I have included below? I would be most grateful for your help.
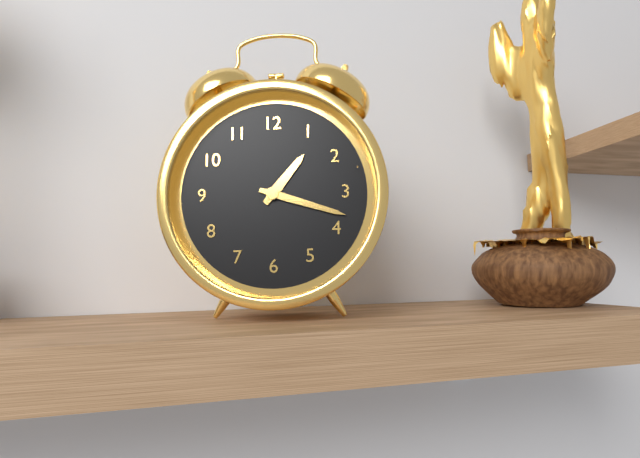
1:18
